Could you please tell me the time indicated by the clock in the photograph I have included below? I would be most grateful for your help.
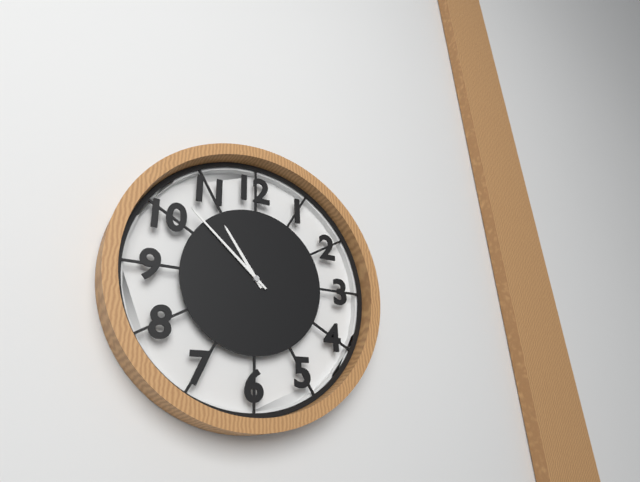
10:52
